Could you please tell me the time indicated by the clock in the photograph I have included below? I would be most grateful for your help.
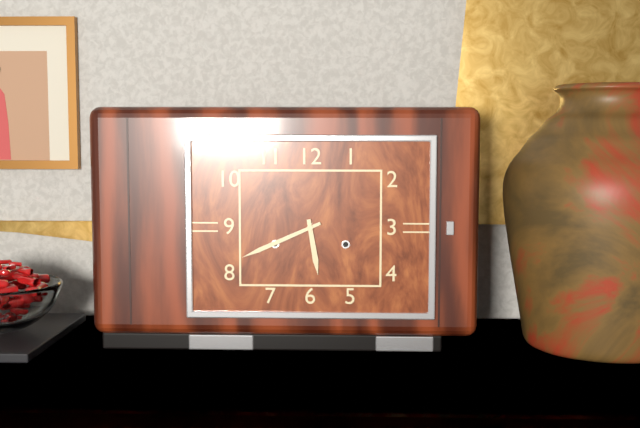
5:41
